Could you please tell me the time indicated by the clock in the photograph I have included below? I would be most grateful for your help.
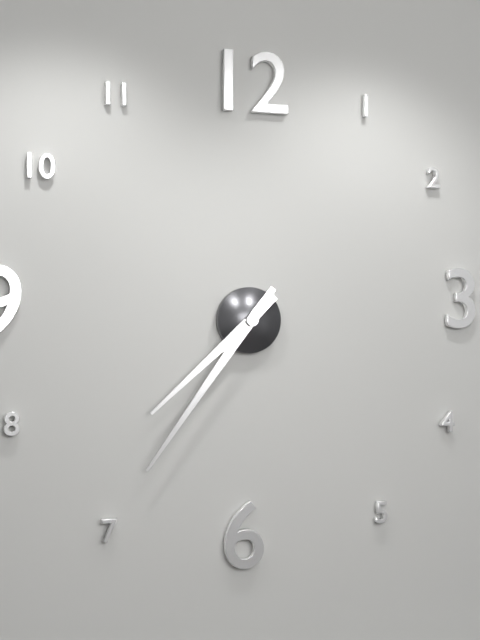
7:36
